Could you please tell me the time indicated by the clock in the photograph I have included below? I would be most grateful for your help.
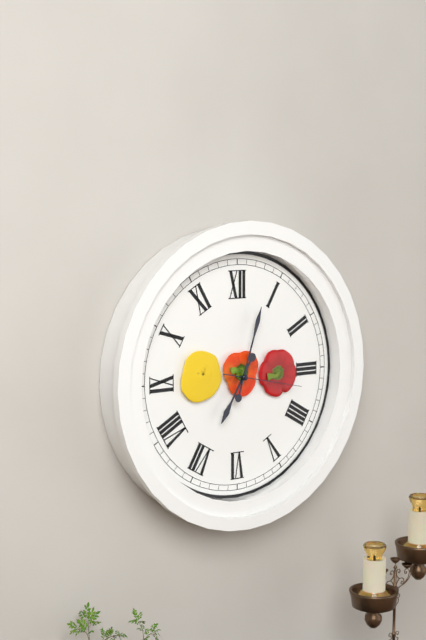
7:03:17
